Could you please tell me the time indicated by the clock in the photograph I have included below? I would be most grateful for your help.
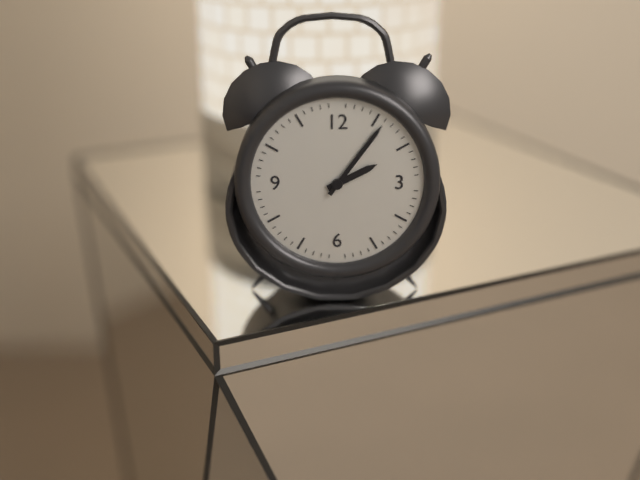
2:06
